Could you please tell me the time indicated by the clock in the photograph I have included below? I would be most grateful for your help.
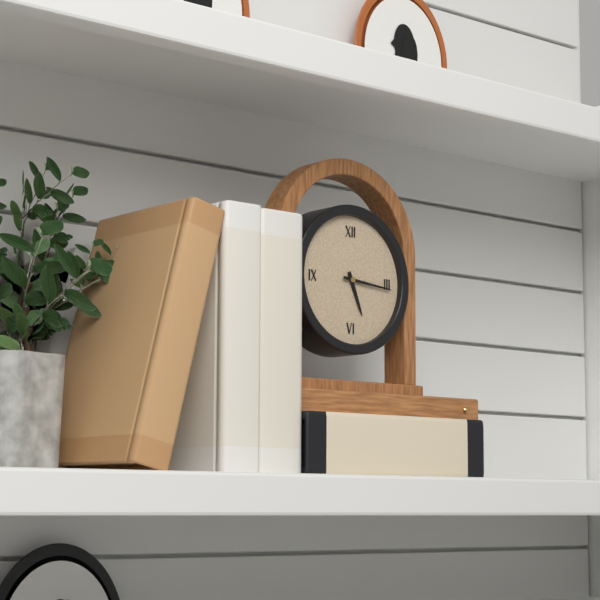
5:16
